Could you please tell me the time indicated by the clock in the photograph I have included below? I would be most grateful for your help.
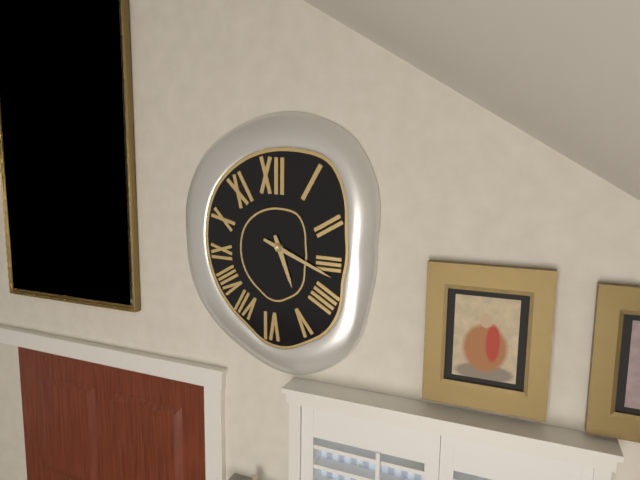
5:19
